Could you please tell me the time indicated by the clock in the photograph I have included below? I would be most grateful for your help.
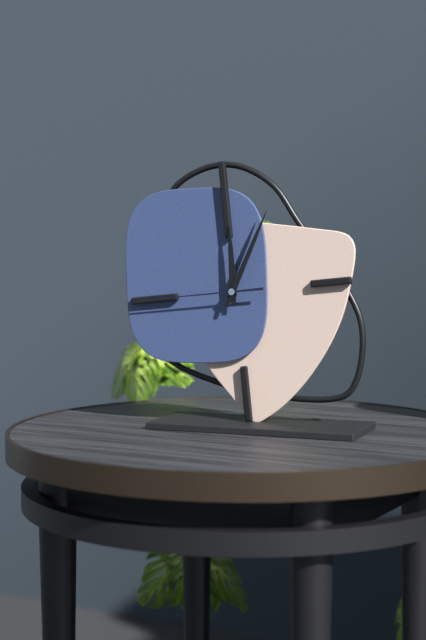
12:05:45
